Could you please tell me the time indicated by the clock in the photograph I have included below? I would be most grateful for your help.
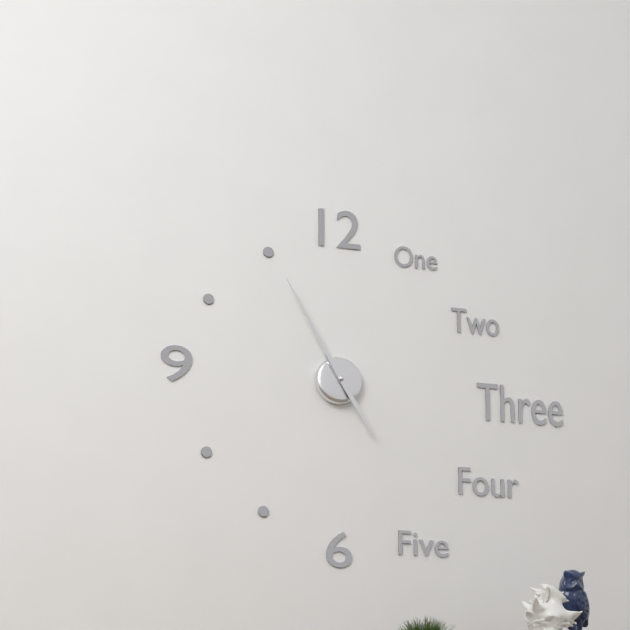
4:55
